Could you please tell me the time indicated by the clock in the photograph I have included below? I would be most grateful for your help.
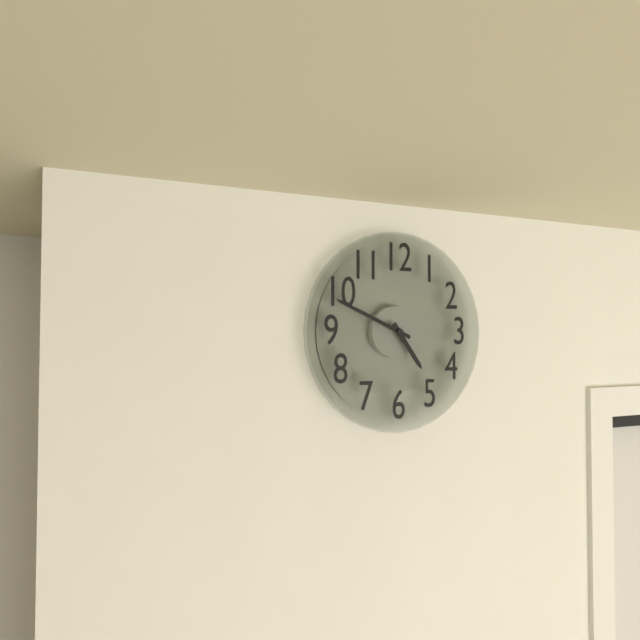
4:49
